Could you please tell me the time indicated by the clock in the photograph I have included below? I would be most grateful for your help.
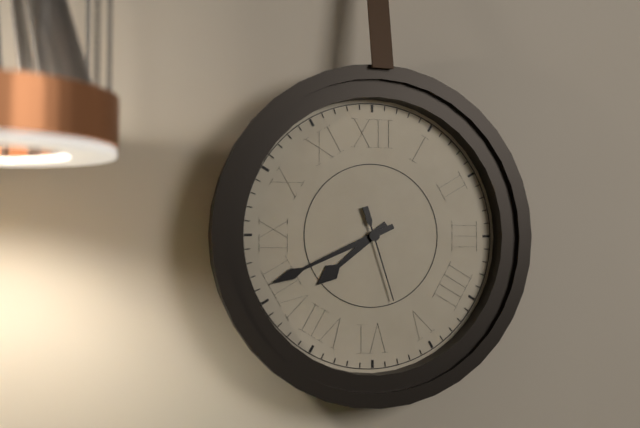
7:41:27
